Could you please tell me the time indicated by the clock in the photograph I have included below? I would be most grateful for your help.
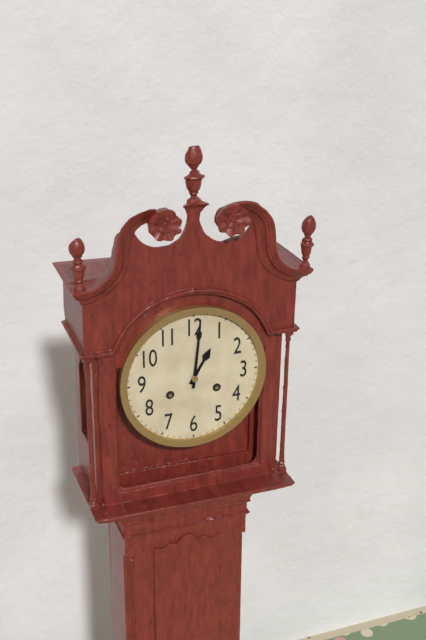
1:01
